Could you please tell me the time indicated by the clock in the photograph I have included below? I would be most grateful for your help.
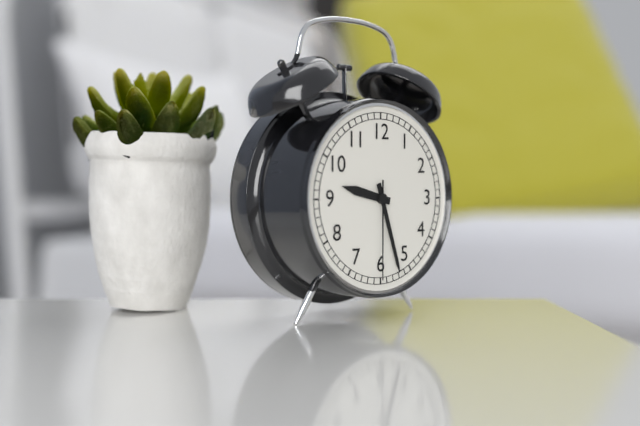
9:27:30
